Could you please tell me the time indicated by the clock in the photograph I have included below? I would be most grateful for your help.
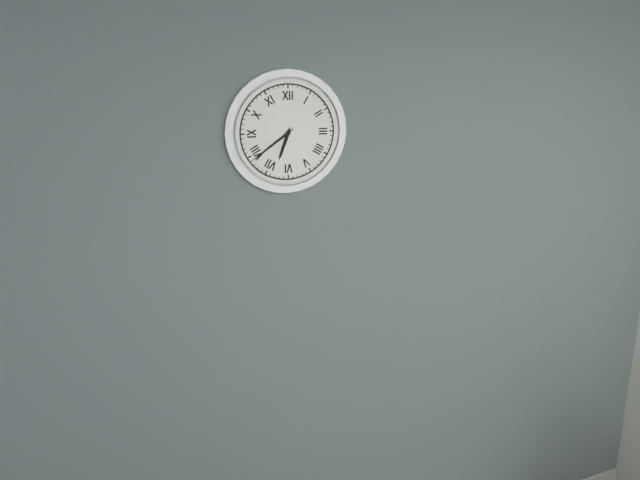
6:39
